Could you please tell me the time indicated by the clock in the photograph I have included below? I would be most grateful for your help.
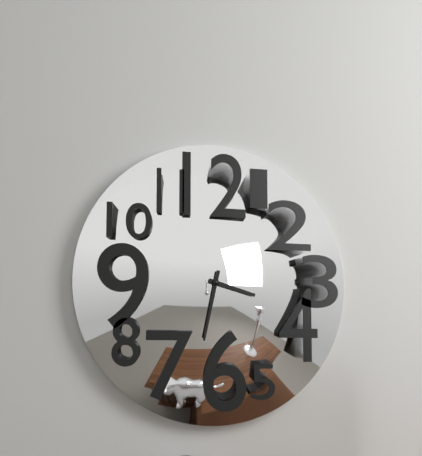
3:32
